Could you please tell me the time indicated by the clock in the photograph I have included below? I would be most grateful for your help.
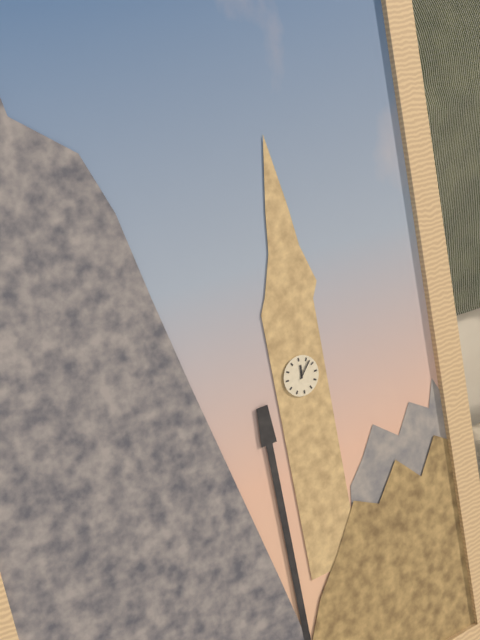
12:07
